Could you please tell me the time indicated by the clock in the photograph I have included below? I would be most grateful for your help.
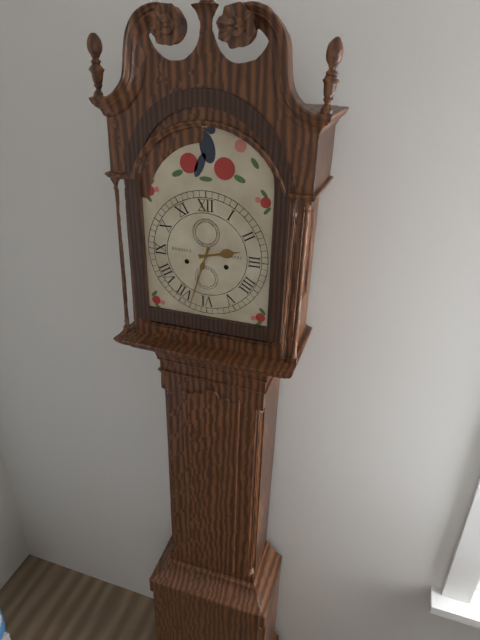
2:33
